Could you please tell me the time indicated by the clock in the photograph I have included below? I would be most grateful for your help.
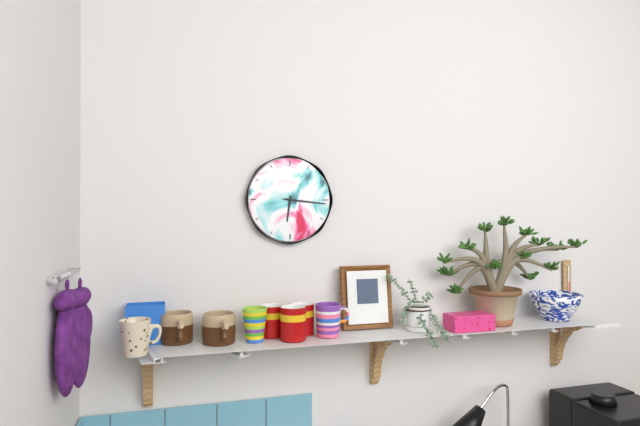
6:16
